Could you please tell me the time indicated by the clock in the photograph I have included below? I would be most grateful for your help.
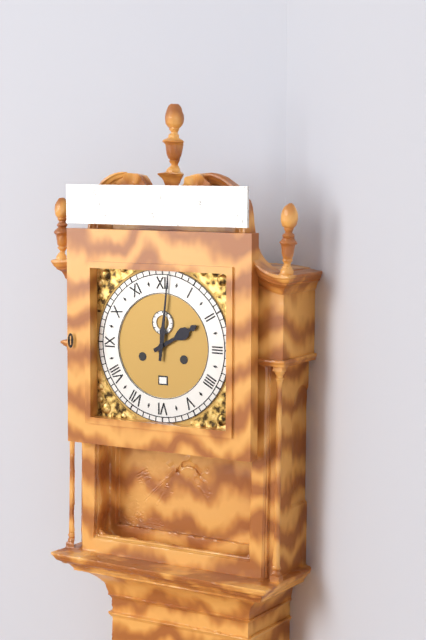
2:01
